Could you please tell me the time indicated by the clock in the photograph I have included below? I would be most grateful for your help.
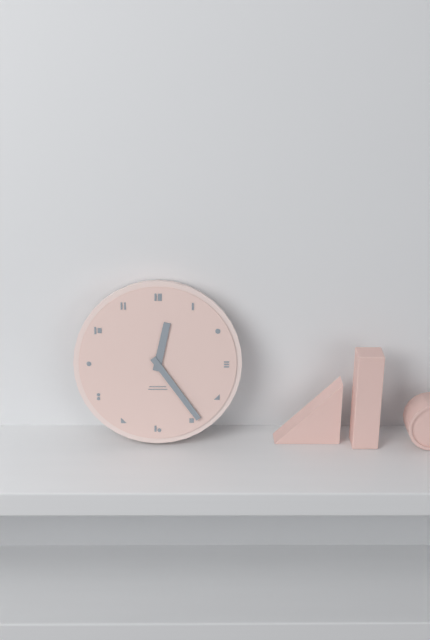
12:24
